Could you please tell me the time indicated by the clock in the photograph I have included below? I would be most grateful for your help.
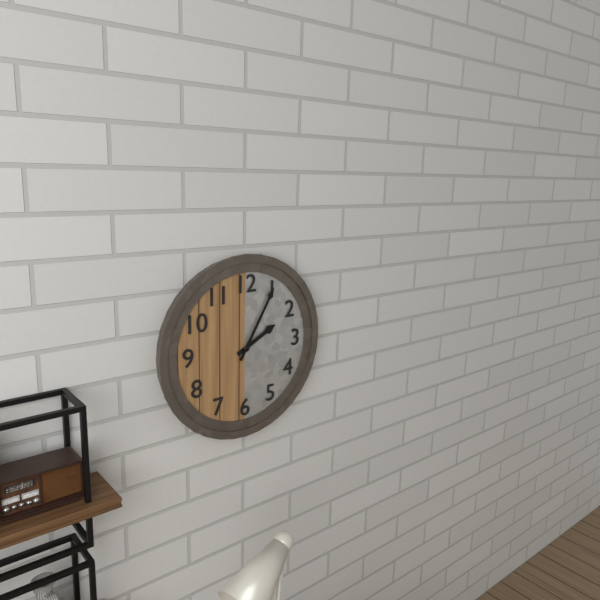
2:05
